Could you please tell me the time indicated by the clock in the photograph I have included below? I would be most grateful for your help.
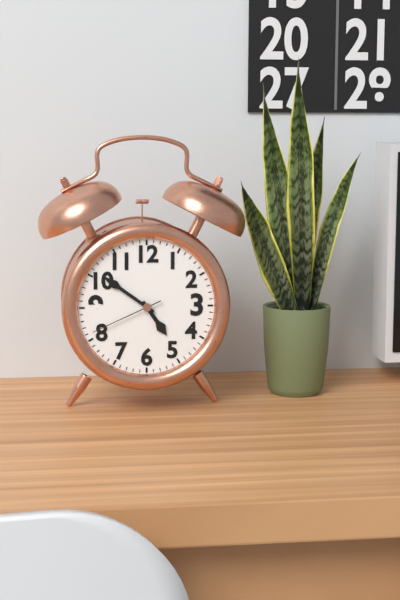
4:51:41
